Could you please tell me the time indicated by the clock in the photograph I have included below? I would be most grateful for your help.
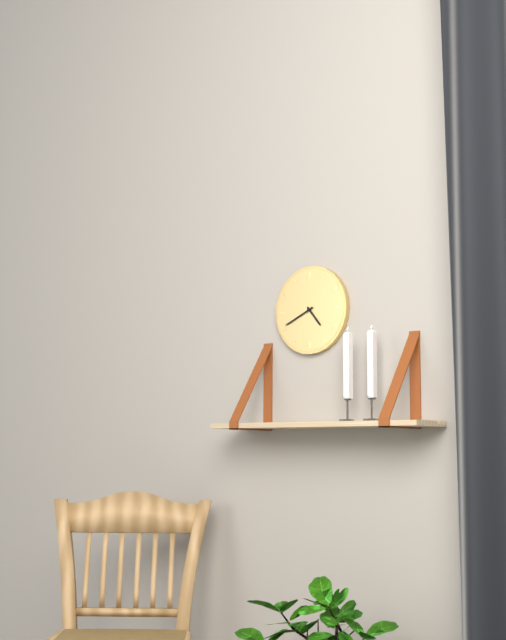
4:41
